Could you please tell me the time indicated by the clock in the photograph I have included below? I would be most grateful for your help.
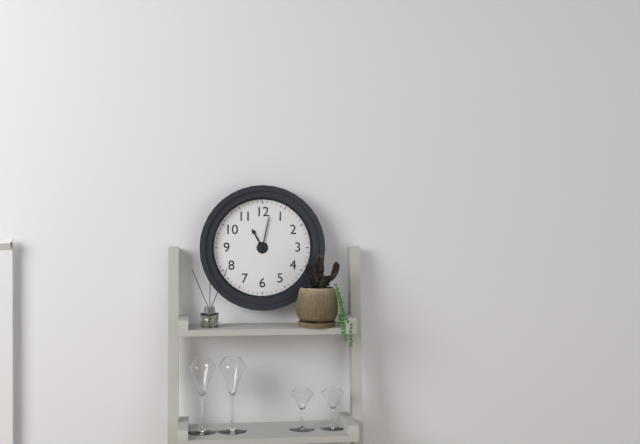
11:02
